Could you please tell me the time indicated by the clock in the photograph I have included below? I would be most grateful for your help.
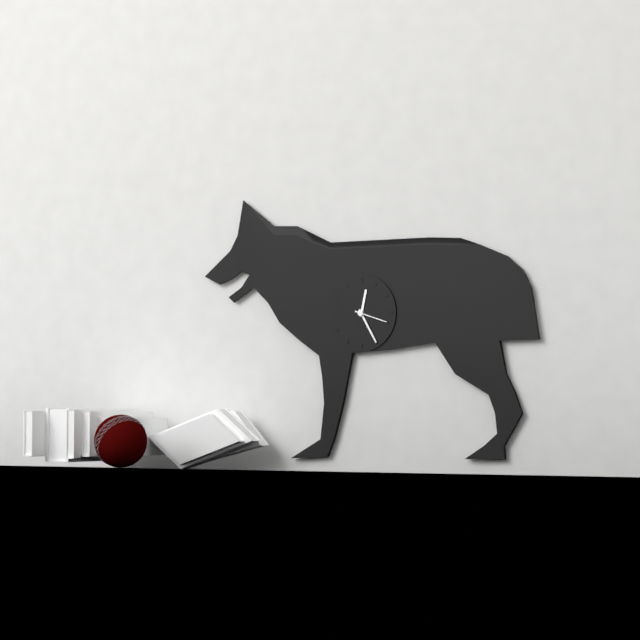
12:25
